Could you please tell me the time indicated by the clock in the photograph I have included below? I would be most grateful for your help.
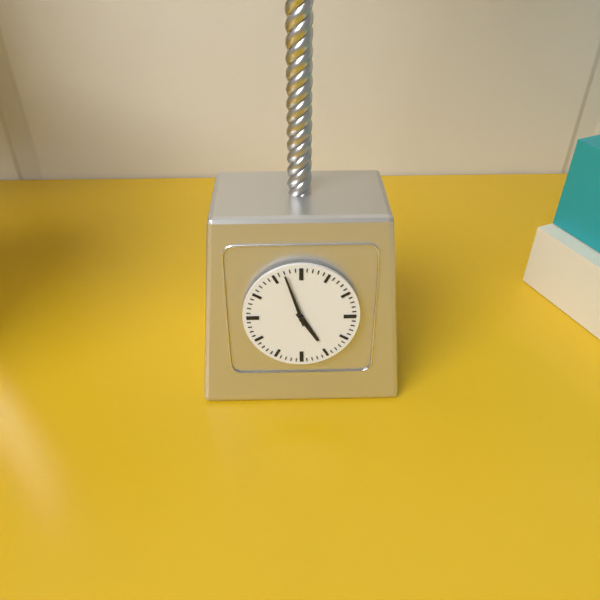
4:57
